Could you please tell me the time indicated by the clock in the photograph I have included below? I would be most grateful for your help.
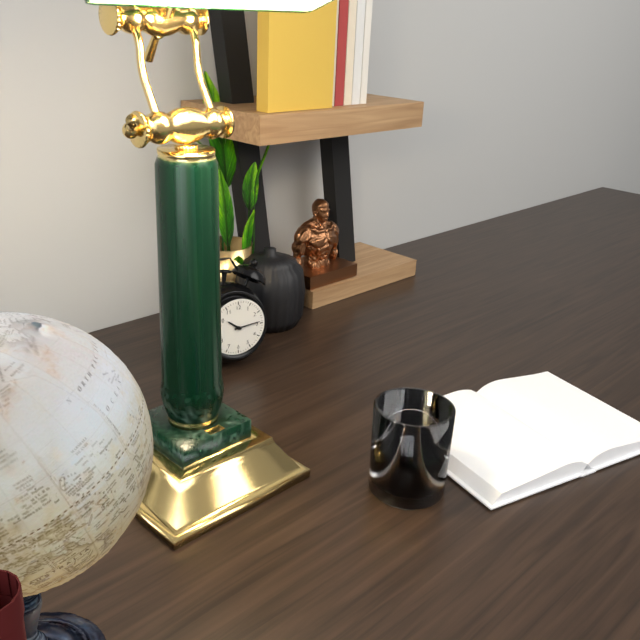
10:14
